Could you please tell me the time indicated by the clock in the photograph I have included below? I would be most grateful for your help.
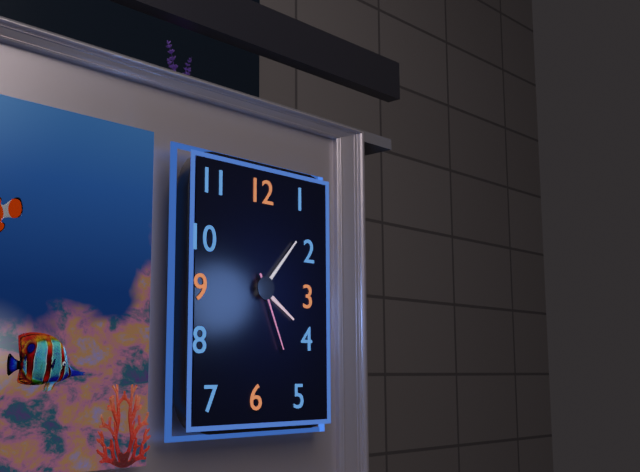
4:07:26
